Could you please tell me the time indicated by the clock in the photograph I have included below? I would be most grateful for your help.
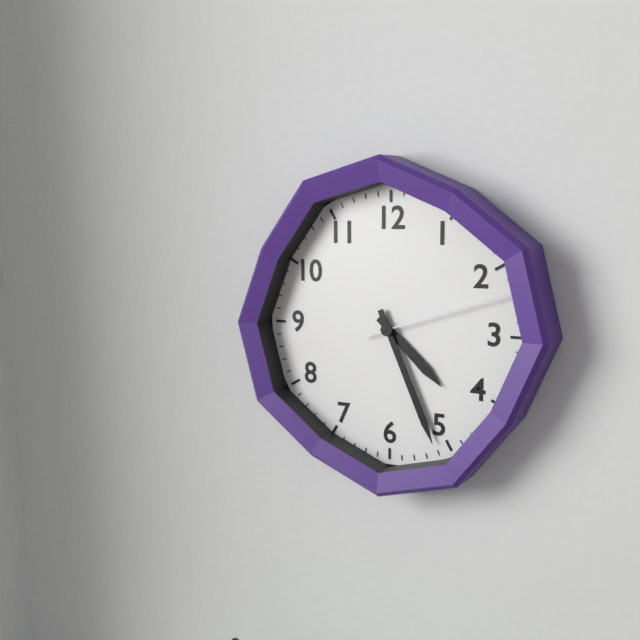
4:26:12
